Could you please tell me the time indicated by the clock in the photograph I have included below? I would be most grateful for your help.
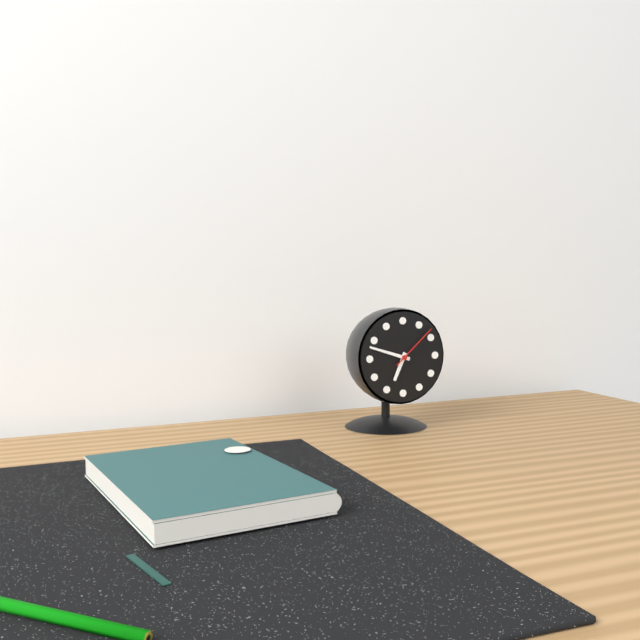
6:48
